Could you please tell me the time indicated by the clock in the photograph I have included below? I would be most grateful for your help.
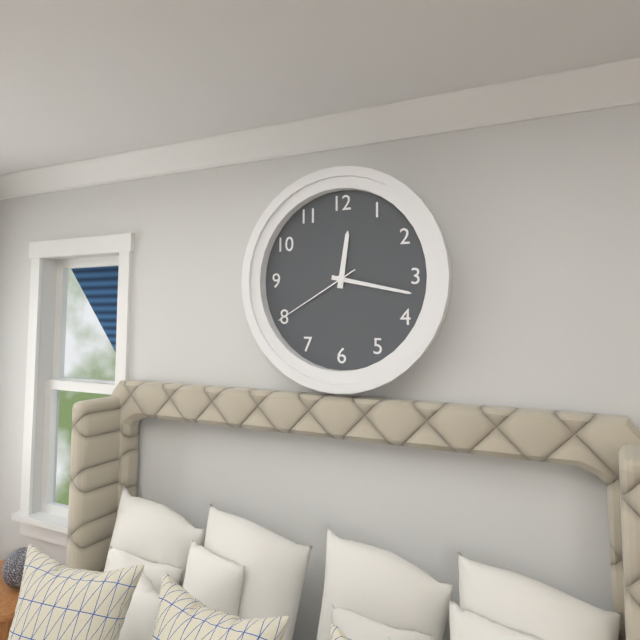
12:17:40
